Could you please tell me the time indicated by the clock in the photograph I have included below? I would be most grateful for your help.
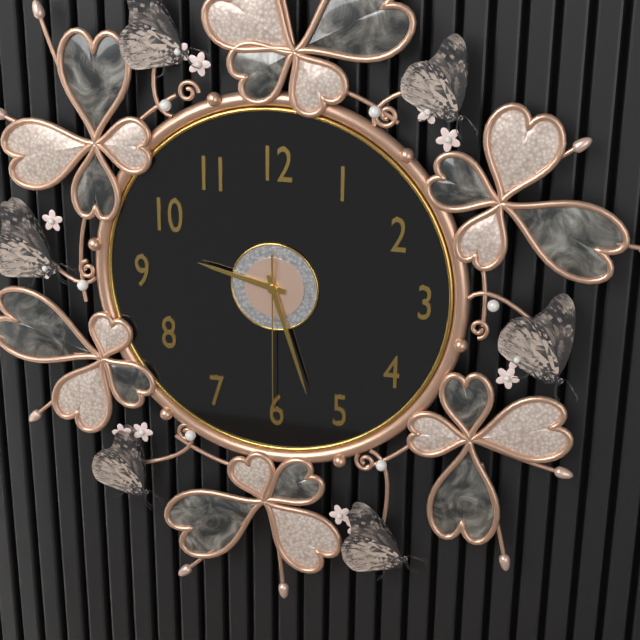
9:27:30
